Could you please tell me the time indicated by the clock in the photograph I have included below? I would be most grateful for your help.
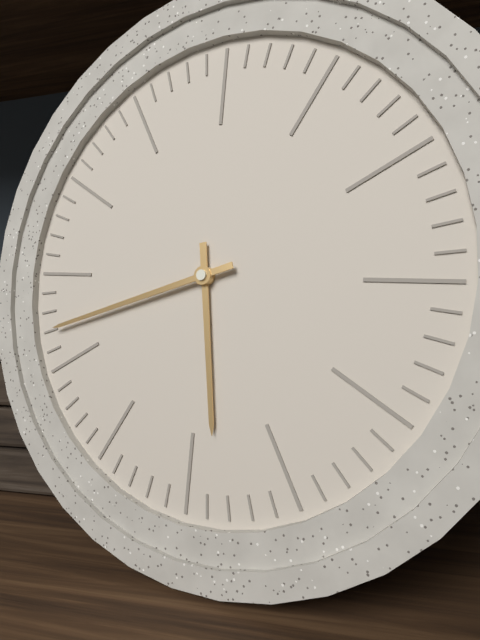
5:42
